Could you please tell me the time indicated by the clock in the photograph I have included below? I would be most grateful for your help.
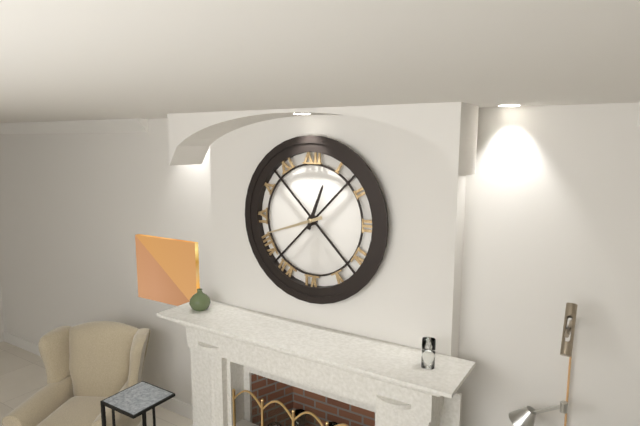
12:42
